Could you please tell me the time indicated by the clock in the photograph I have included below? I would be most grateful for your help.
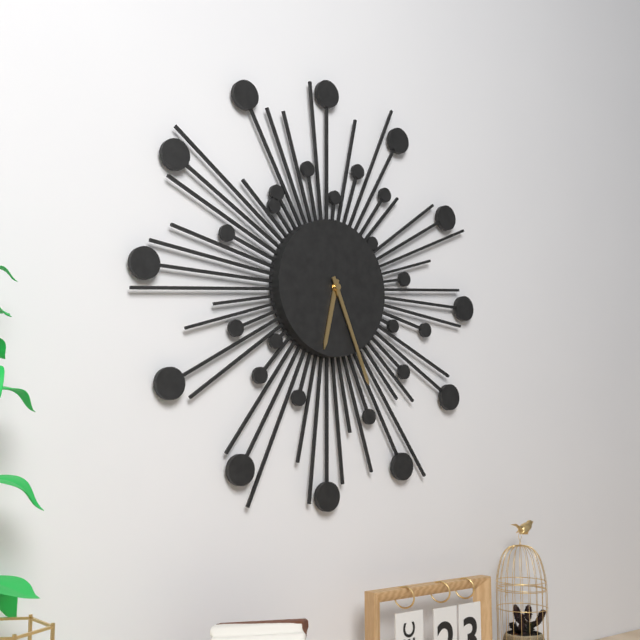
6:26
